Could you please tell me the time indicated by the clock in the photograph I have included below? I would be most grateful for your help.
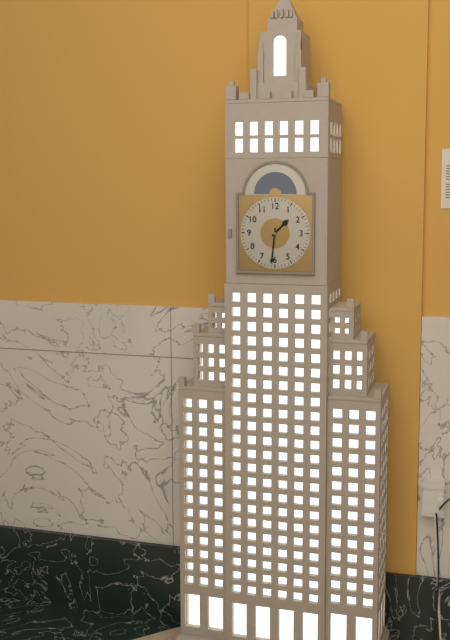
1:31
